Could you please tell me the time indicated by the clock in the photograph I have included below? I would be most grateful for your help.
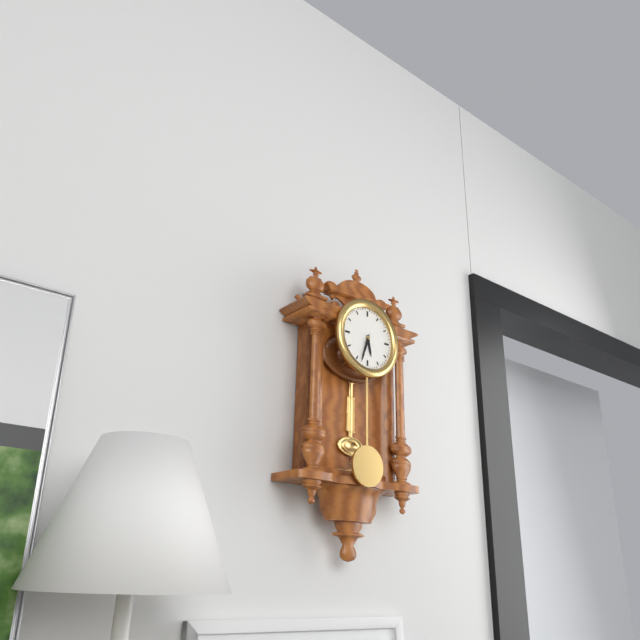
5:33
